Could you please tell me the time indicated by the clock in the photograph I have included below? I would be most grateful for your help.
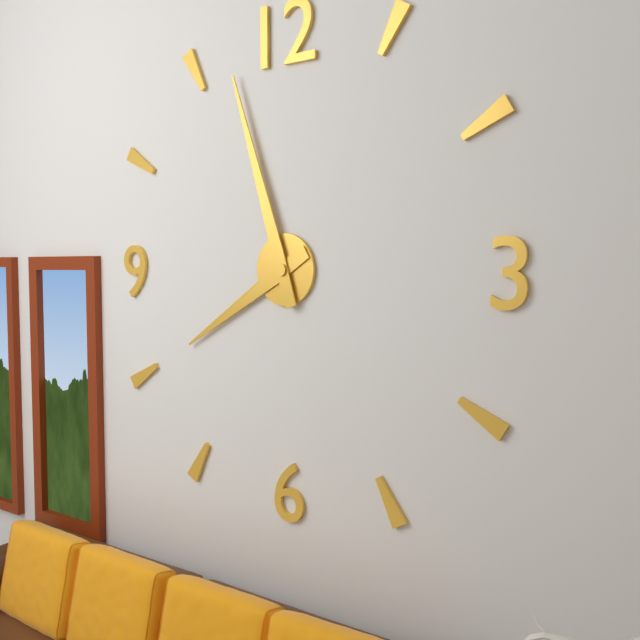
7:57
